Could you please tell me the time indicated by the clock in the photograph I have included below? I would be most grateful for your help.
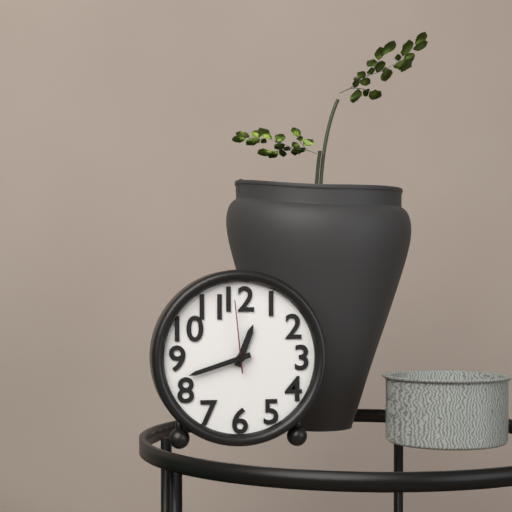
12:42:59
